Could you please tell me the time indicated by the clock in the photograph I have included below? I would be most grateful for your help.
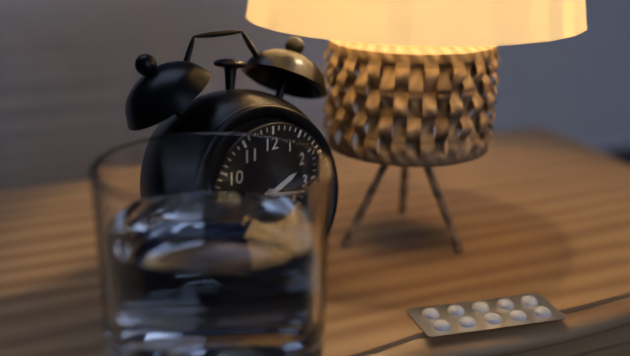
2:17
